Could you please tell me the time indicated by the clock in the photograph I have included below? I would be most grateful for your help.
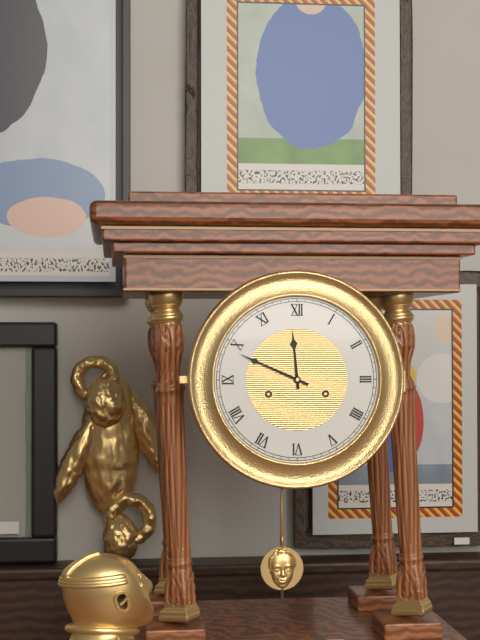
11:49
